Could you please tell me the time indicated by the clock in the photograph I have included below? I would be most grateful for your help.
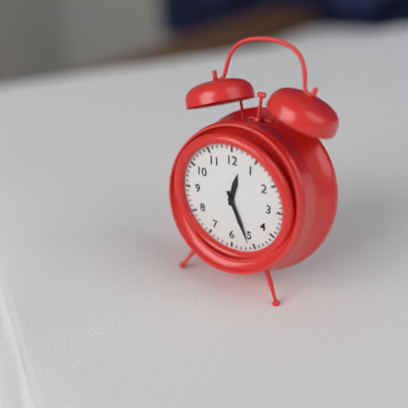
12:26
